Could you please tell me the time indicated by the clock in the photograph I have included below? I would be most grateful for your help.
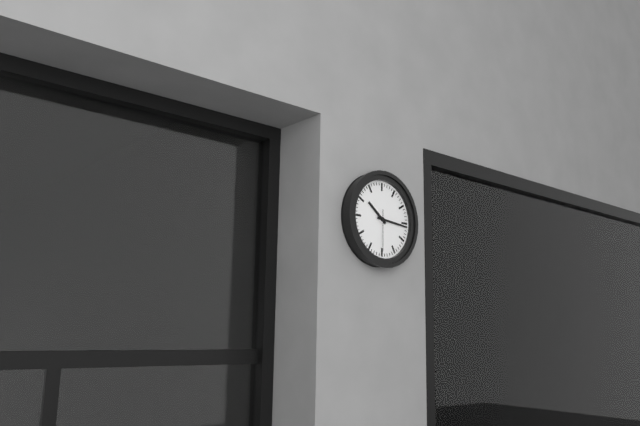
10:16
